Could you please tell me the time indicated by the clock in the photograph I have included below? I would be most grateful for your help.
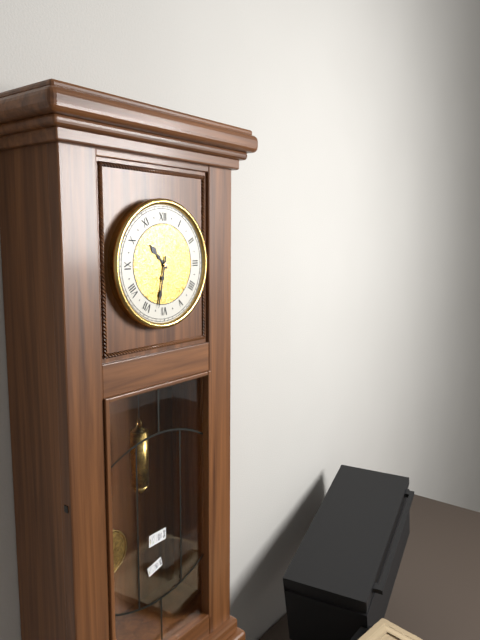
10:32
